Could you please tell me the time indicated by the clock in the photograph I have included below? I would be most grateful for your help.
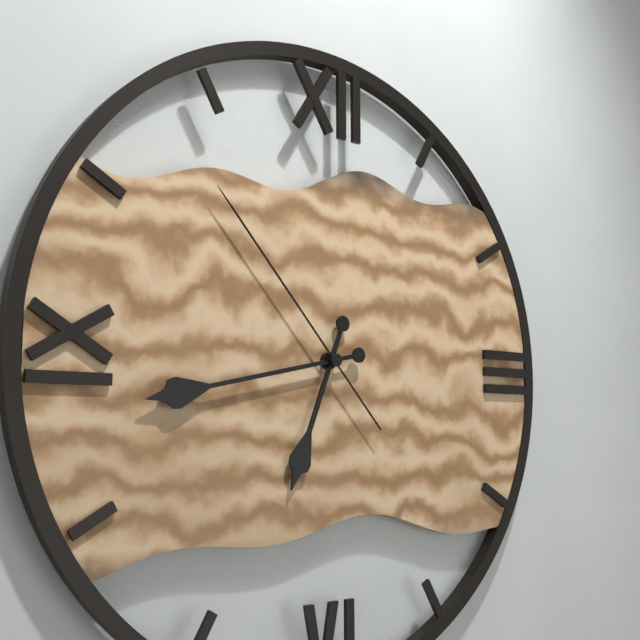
6:43:53
